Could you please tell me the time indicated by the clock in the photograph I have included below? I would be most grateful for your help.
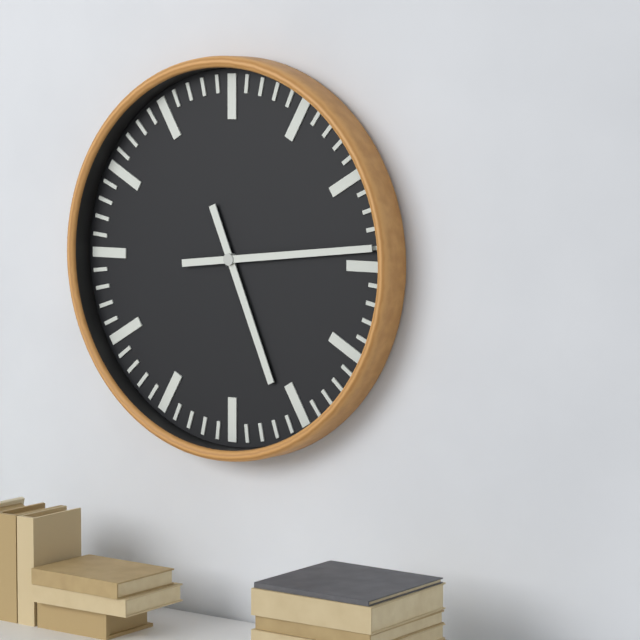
5:14
